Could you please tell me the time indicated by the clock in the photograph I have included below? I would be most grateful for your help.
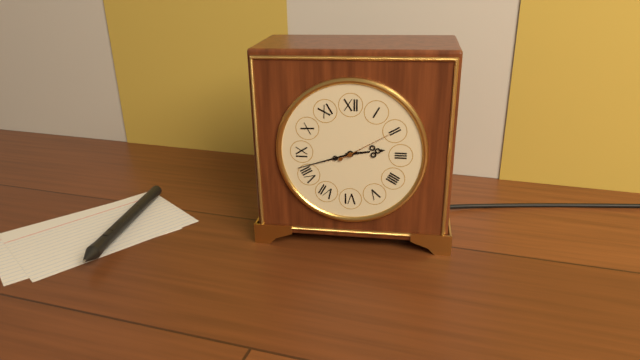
2:42:10
